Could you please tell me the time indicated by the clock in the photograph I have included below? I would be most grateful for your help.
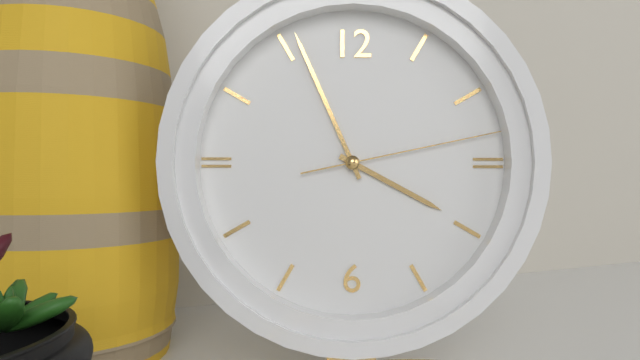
3:56:13
